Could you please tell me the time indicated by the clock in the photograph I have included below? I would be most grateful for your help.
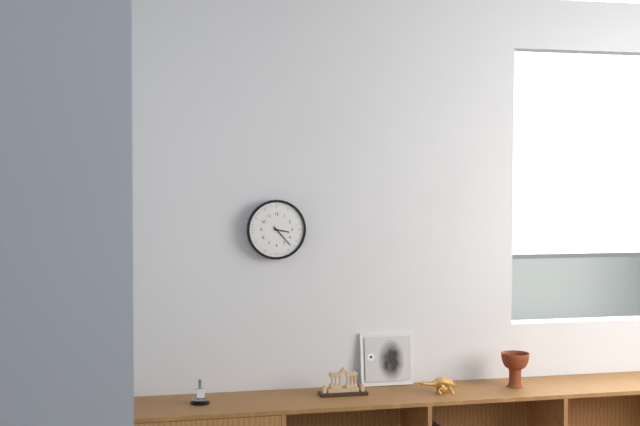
3:23
